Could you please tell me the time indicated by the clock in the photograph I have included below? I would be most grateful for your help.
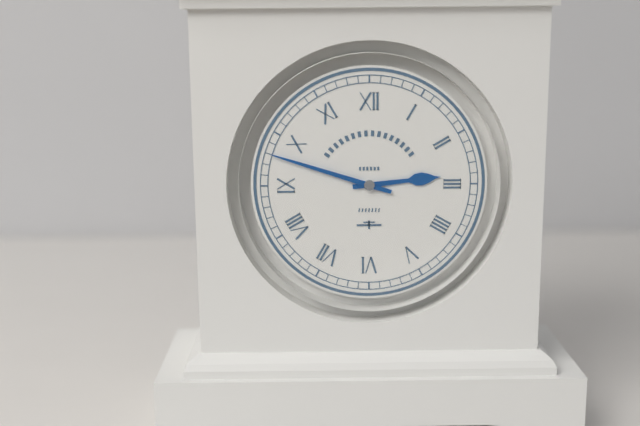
2:48
